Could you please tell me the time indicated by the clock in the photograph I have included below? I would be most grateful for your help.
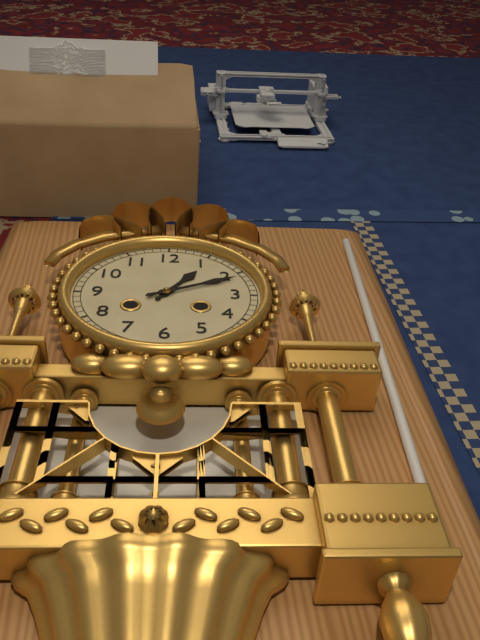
1:11
